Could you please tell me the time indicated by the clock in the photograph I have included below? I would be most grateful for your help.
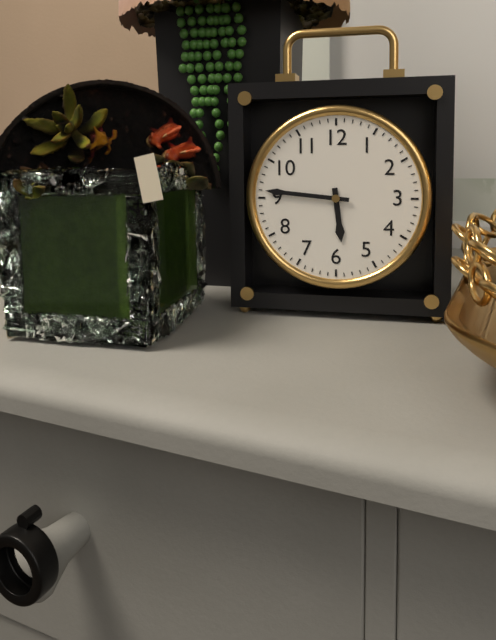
5:46
